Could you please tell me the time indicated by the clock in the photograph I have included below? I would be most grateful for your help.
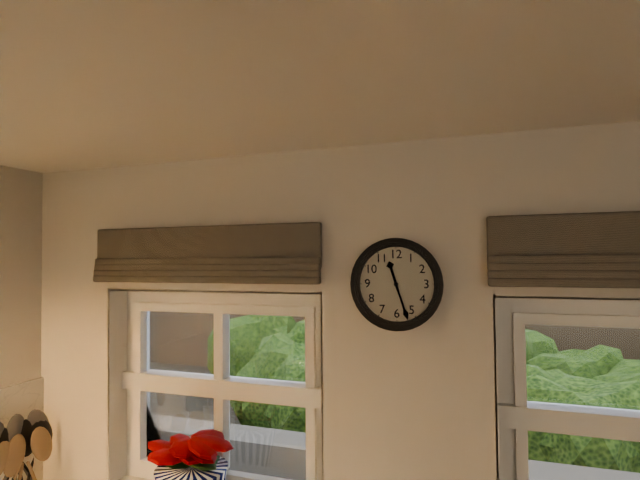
11:27
